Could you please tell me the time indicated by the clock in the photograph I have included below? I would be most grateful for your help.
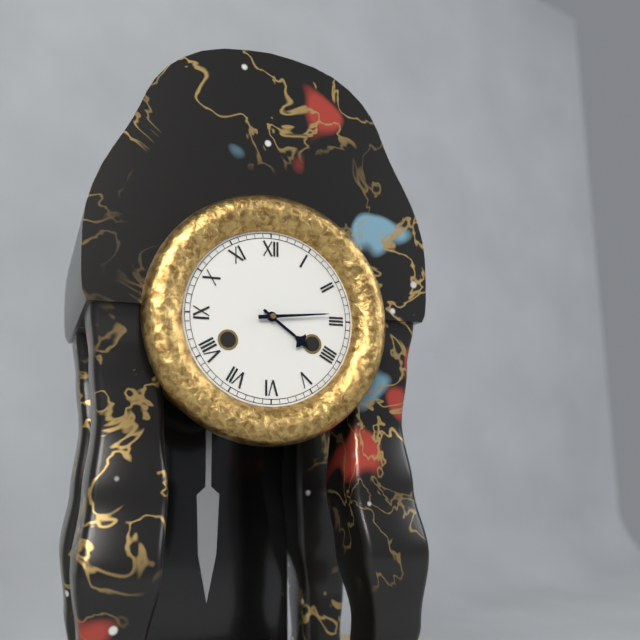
4:14
